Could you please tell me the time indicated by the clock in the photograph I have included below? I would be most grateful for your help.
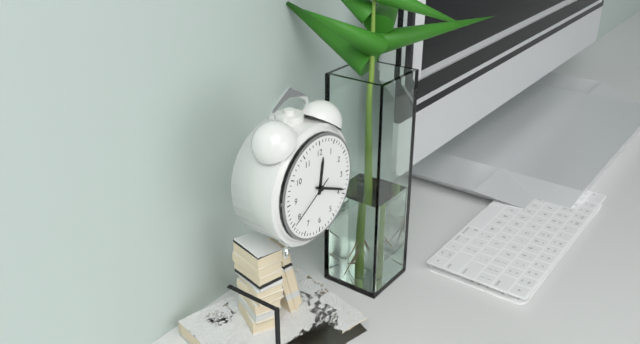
12:19:40
